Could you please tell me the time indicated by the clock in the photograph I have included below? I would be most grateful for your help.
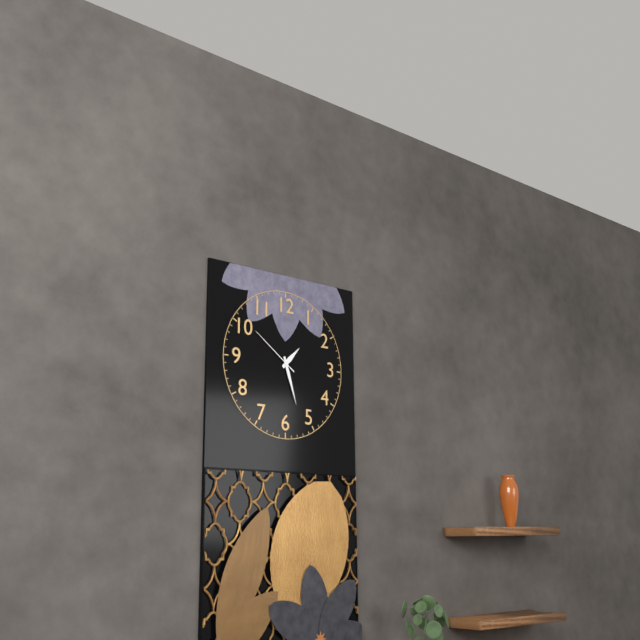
1:27:51
